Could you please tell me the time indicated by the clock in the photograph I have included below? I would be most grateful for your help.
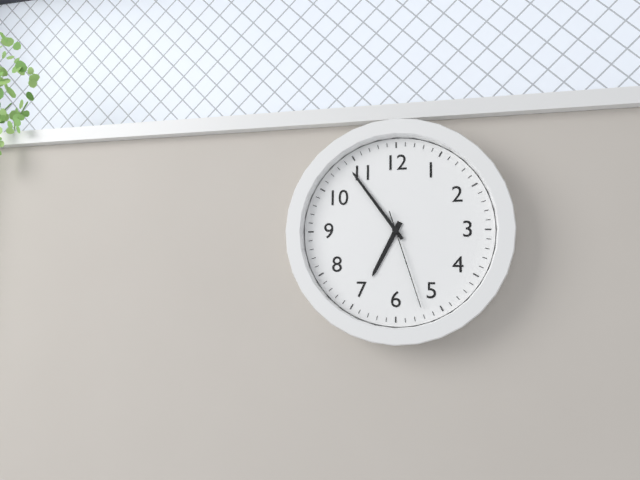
6:54:27
